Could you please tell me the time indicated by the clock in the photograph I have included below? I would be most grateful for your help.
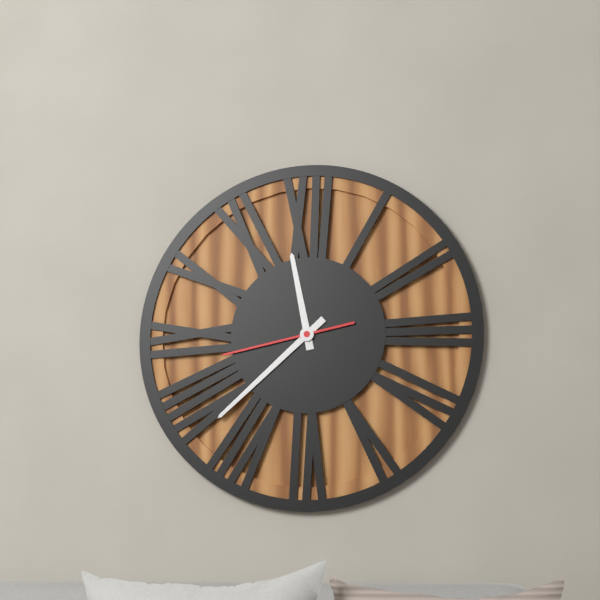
11:38:43
